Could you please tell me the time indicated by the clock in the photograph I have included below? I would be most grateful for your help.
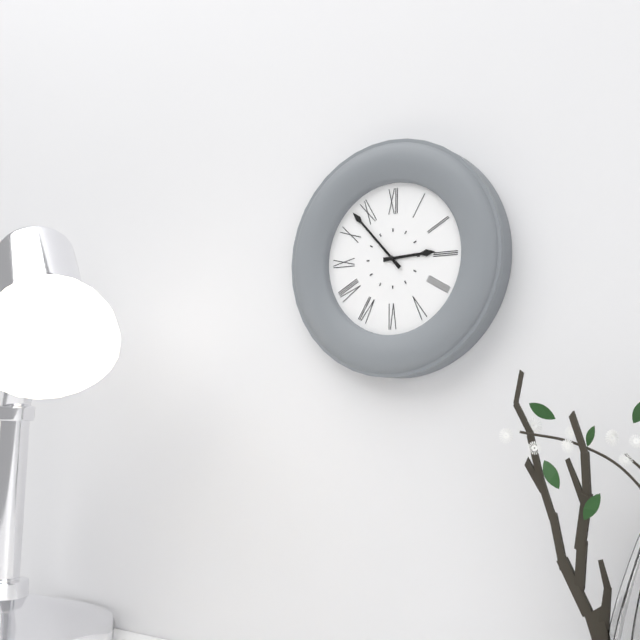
2:53
